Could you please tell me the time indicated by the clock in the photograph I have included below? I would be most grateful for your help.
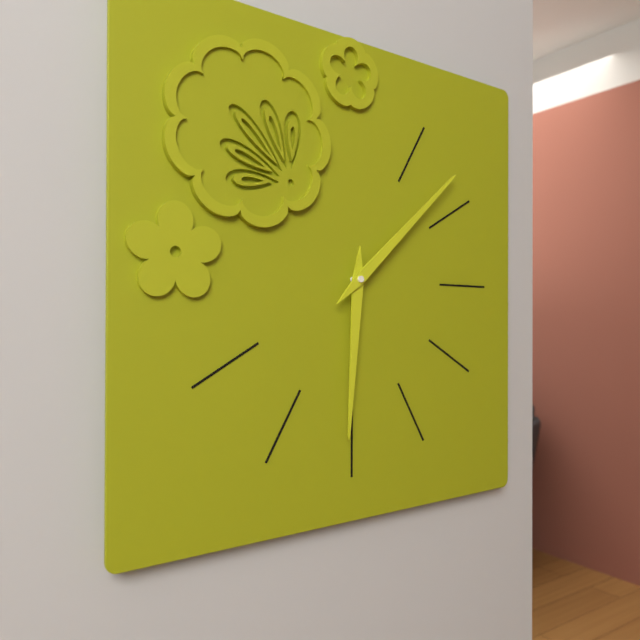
6:08
